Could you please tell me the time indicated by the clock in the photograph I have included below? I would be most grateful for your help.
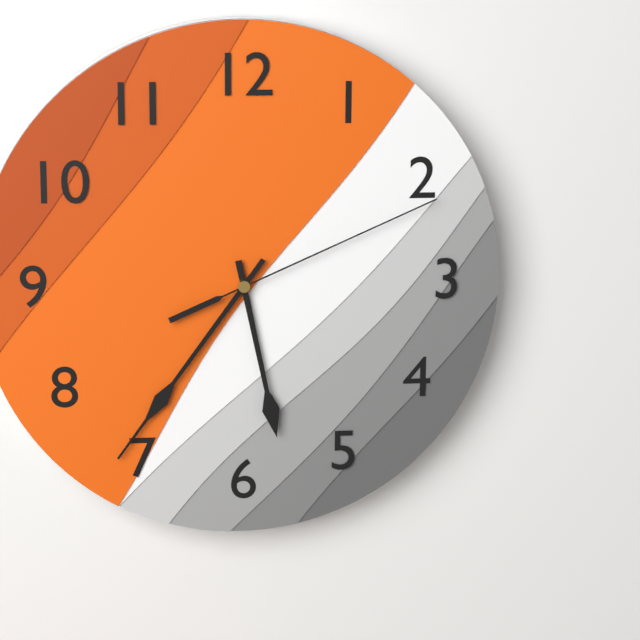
5:36:11
